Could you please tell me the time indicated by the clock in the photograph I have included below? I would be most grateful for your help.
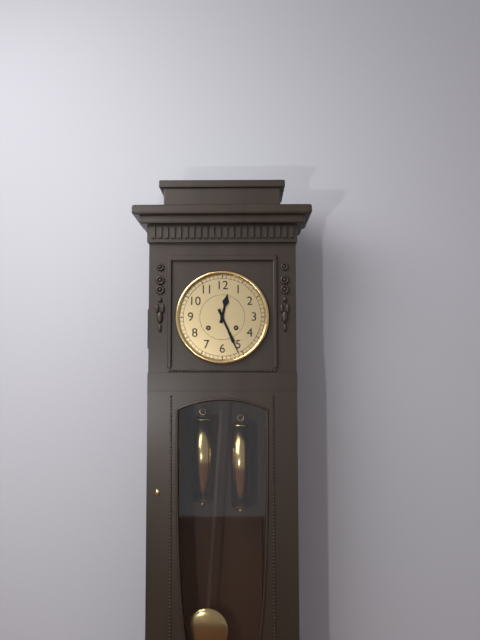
12:26
